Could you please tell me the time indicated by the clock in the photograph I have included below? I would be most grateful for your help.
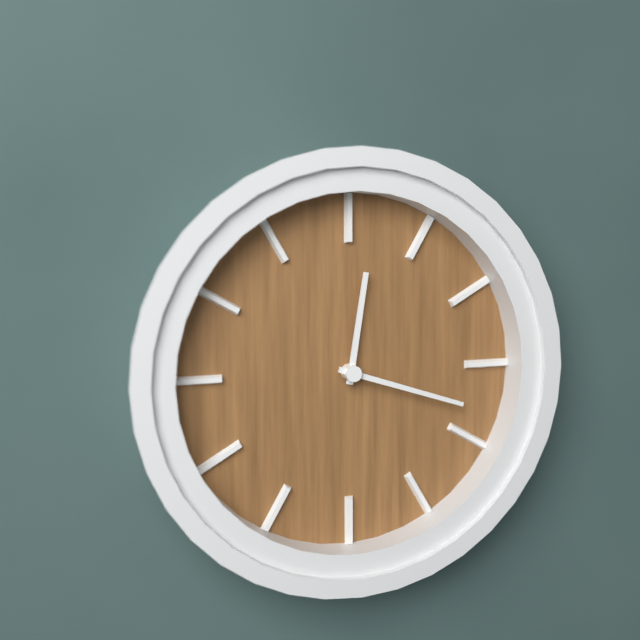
12:18
